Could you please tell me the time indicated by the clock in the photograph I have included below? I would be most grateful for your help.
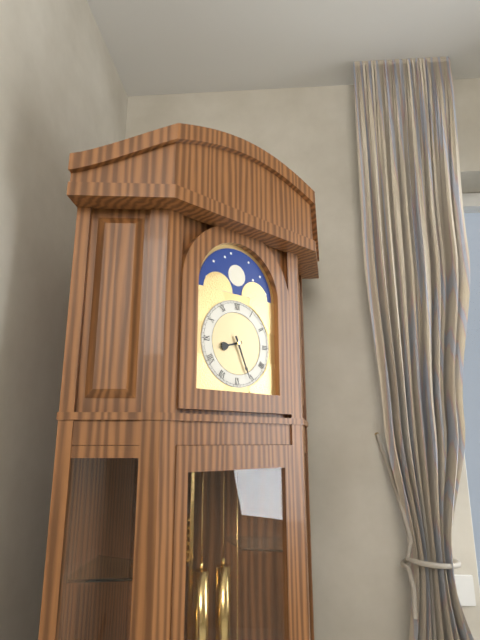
8:26
